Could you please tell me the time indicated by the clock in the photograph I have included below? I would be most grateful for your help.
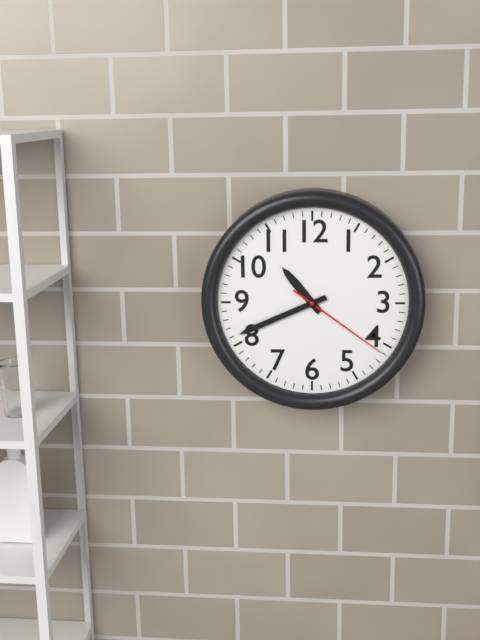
10:41:21
